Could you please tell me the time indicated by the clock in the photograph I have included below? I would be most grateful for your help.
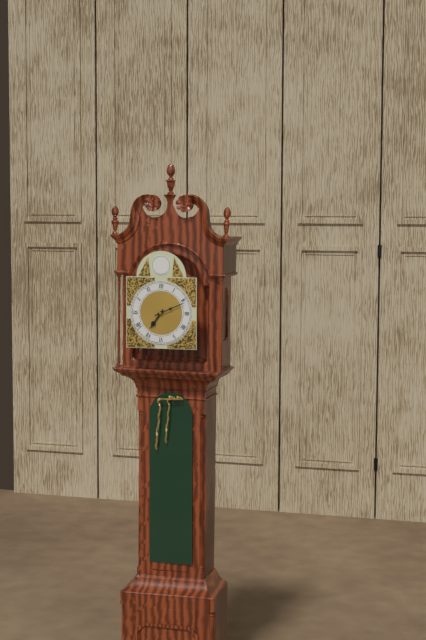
7:11
